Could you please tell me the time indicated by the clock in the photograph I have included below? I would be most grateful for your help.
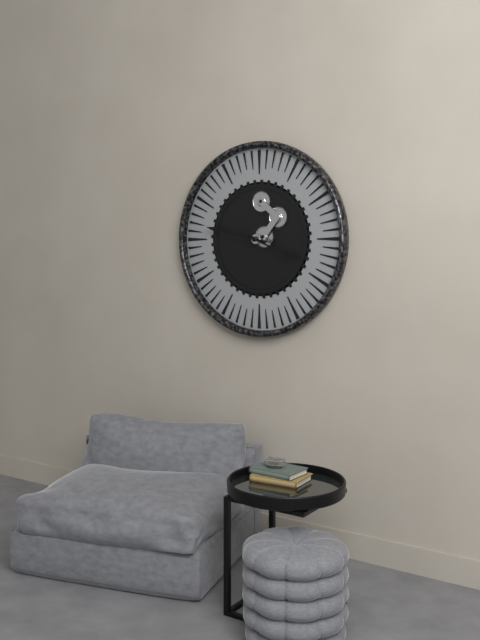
3:47
